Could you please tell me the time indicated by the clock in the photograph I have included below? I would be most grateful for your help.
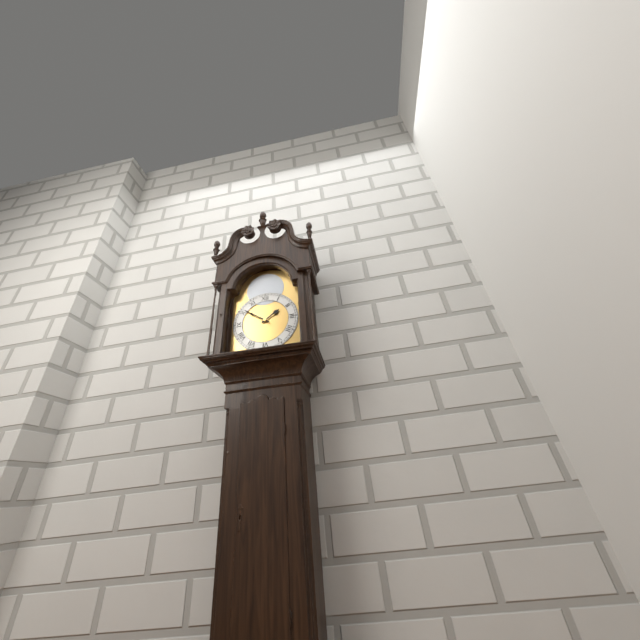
1:51
